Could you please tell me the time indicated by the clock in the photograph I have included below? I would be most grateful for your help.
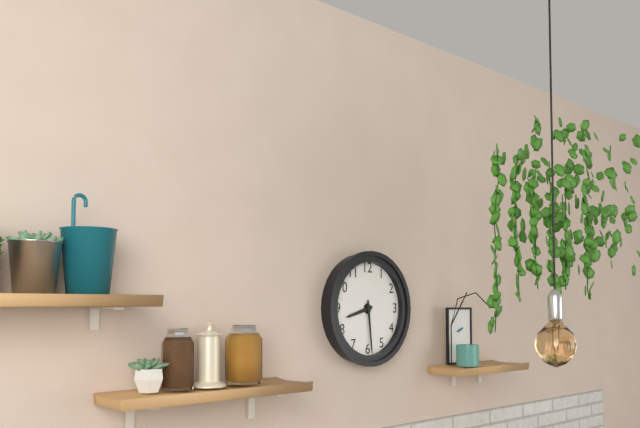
8:29
